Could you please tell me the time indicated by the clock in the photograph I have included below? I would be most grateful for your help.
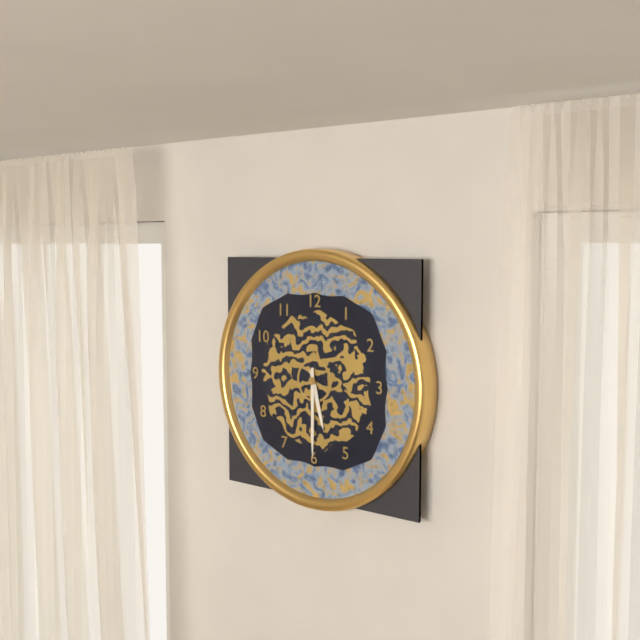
5:30
